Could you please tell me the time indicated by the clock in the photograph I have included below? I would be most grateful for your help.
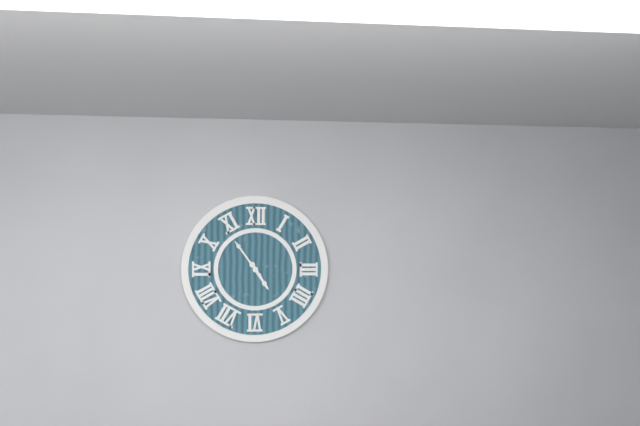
4:54
